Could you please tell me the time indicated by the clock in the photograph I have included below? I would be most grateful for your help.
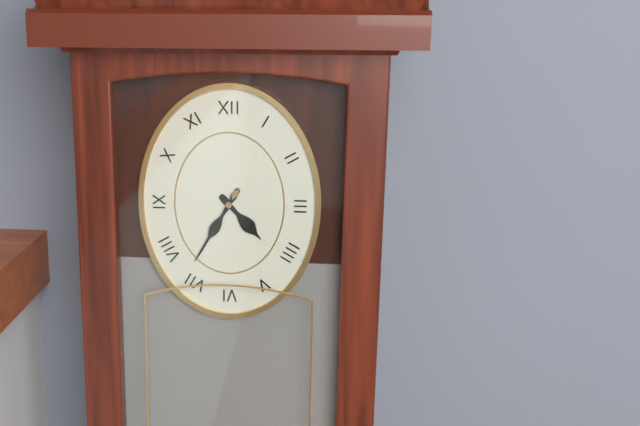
4:35
